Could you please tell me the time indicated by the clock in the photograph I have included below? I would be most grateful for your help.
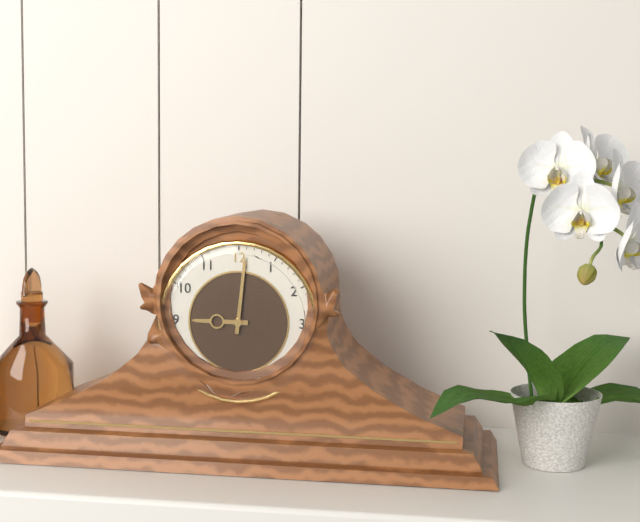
9:01
